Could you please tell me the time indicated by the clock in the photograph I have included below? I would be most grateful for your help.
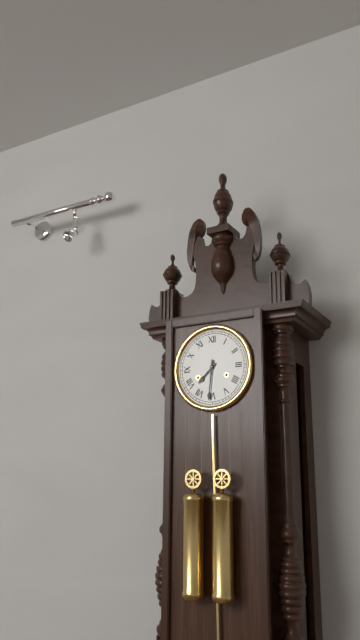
7:31
